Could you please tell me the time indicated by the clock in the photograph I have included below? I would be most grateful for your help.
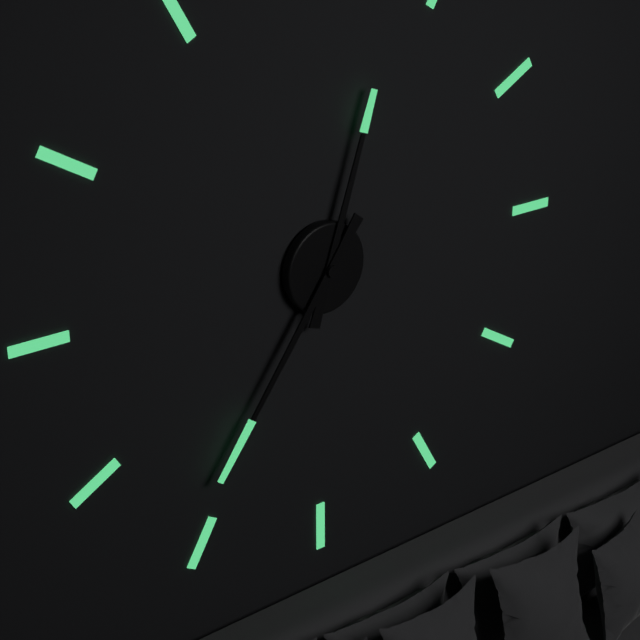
12:36
